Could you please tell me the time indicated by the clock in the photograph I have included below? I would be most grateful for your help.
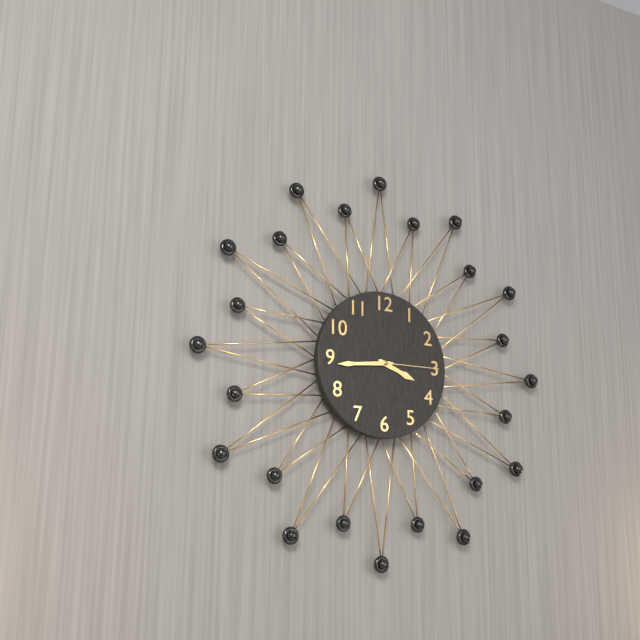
3:44:15
